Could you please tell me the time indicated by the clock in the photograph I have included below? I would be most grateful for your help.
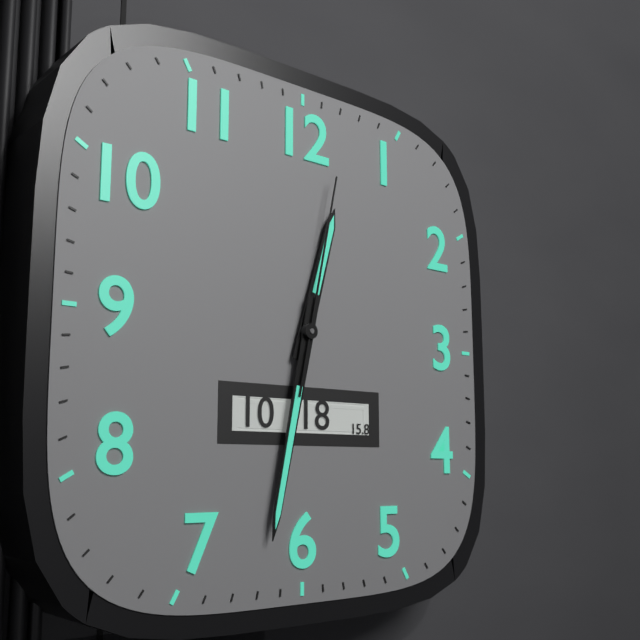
12:32:02
